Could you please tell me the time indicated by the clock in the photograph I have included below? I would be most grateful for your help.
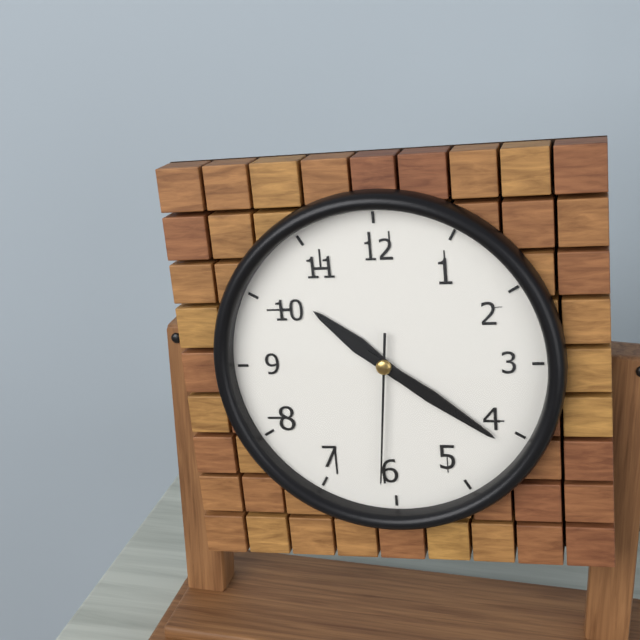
10:21:31
